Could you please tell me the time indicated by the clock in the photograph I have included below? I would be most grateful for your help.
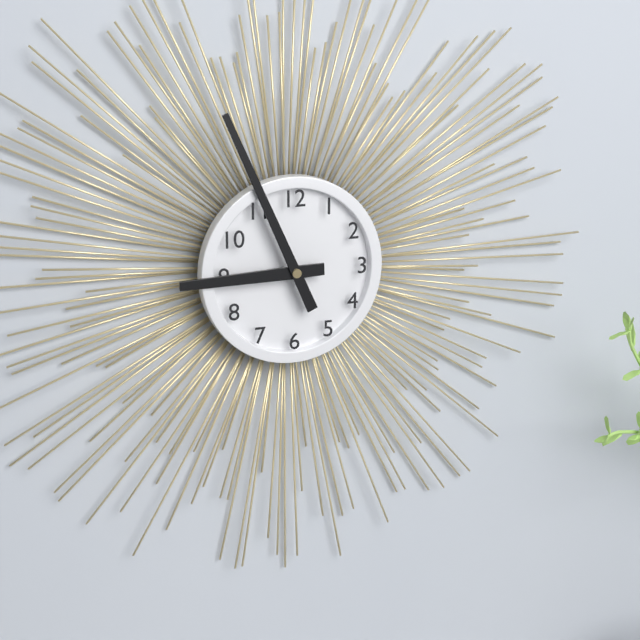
8:56
